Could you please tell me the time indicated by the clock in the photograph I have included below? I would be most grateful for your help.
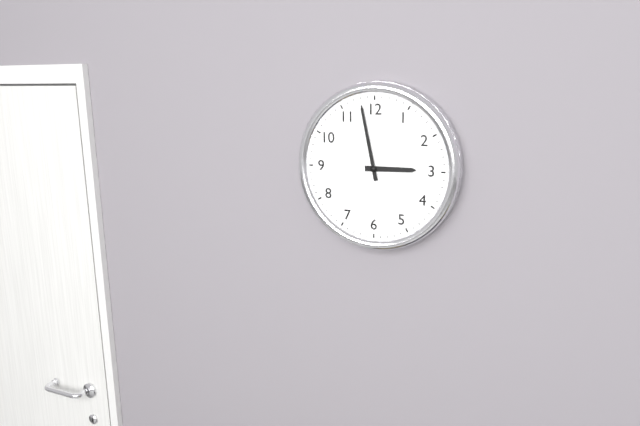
2:58
